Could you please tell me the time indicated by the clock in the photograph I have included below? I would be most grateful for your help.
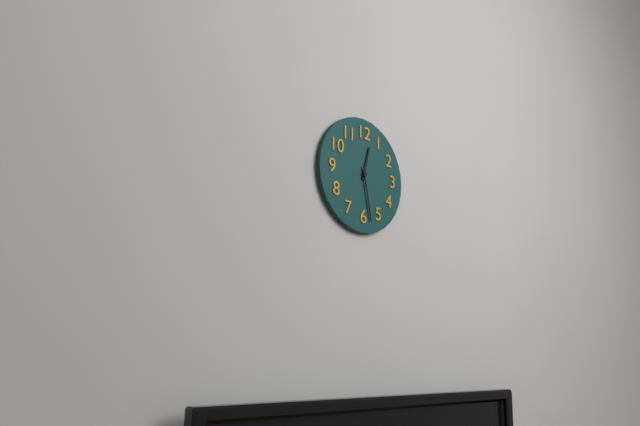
12:28
